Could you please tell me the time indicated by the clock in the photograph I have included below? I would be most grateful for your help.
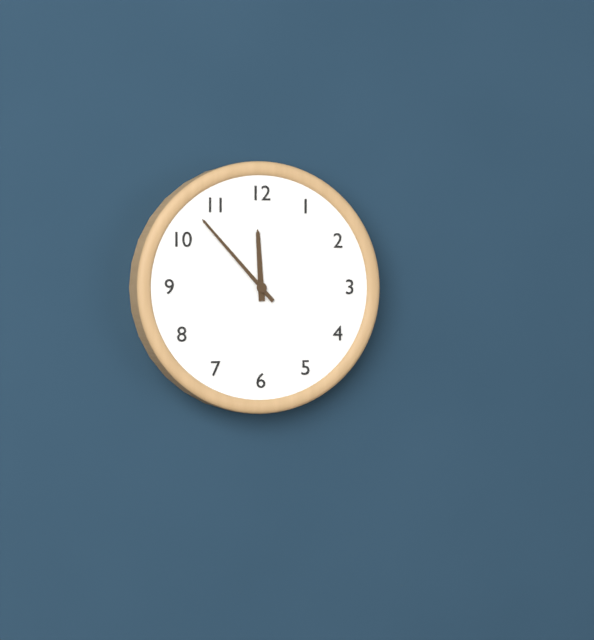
11:53
